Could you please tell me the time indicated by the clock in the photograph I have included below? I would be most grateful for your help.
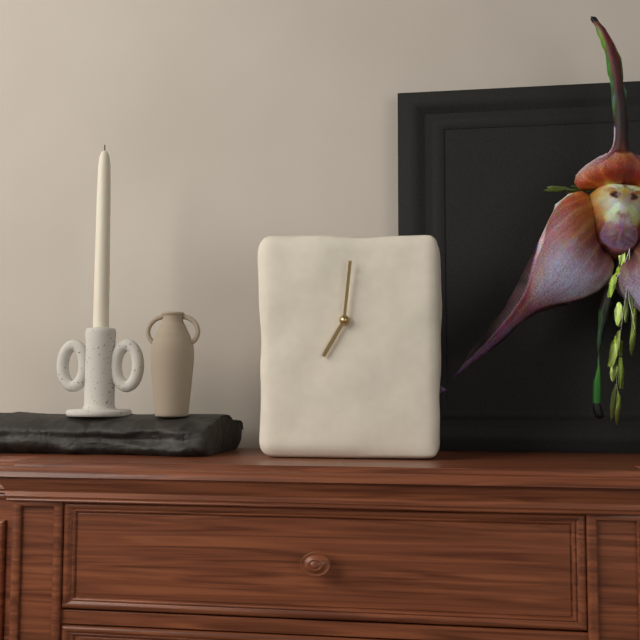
7:01
